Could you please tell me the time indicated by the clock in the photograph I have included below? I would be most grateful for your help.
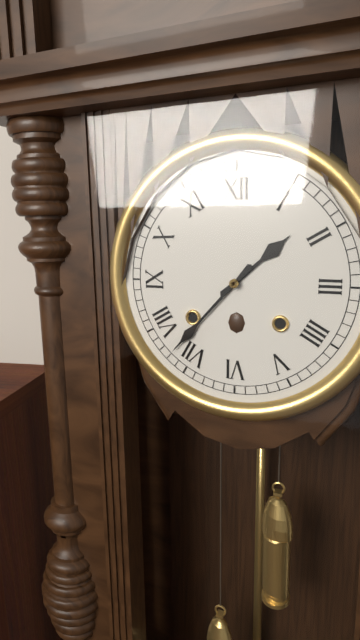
1:37
